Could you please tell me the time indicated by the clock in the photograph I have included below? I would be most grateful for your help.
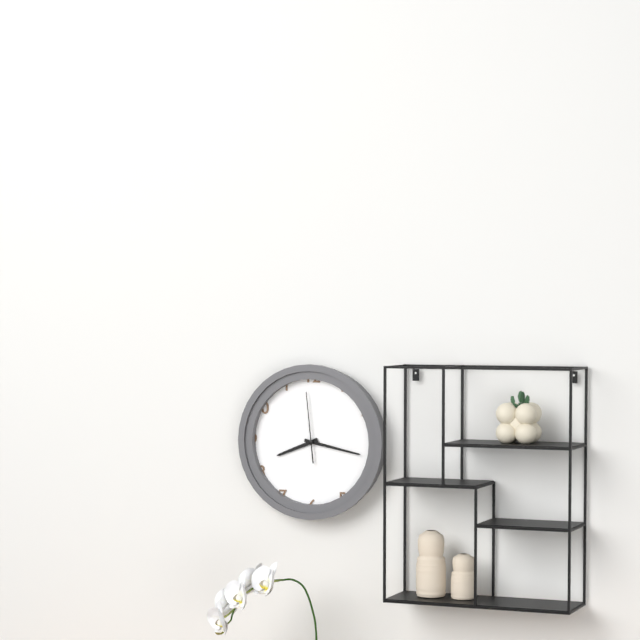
8:17:59
